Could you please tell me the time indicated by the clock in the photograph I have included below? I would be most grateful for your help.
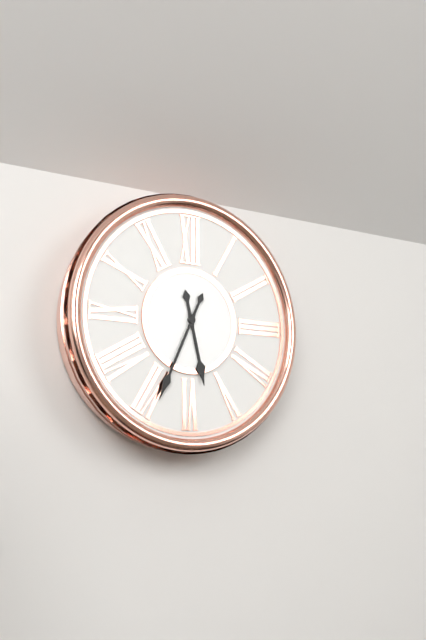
5:34
